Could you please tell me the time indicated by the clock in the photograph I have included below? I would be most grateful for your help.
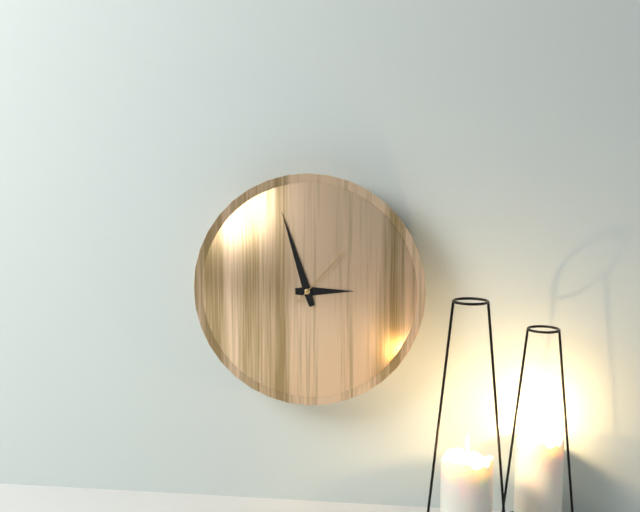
2:57:07
